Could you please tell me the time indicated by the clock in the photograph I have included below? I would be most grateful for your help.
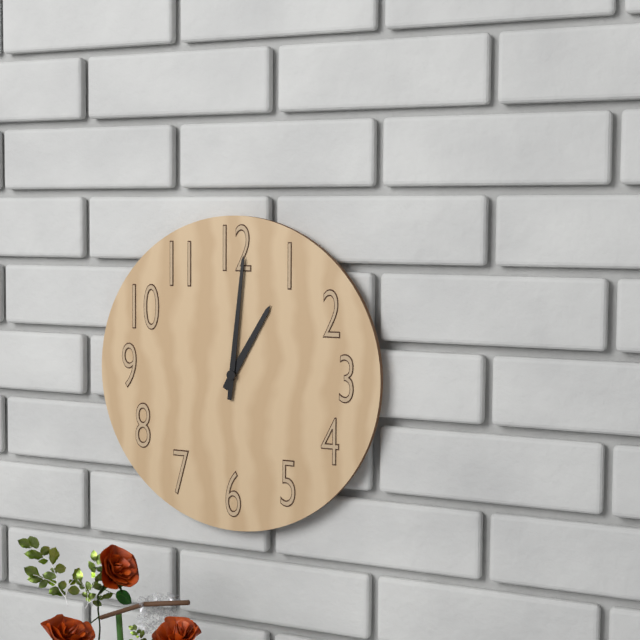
1:01
